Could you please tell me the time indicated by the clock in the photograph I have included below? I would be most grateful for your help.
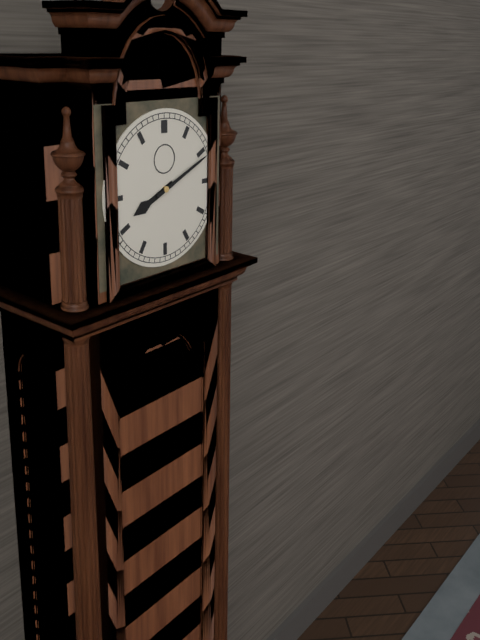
8:11
